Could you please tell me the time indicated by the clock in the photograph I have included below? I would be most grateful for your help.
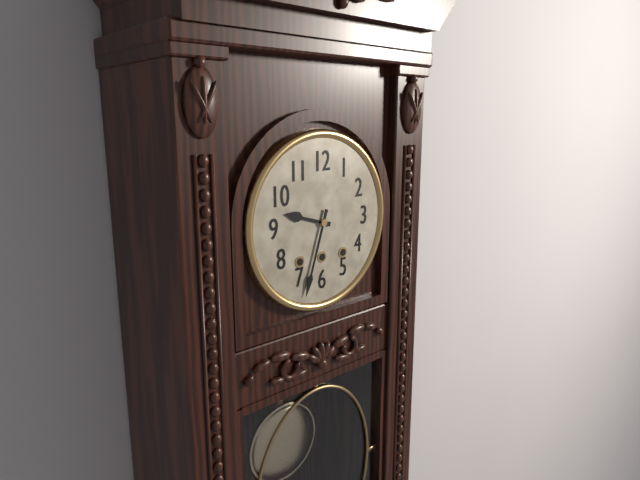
9:33
